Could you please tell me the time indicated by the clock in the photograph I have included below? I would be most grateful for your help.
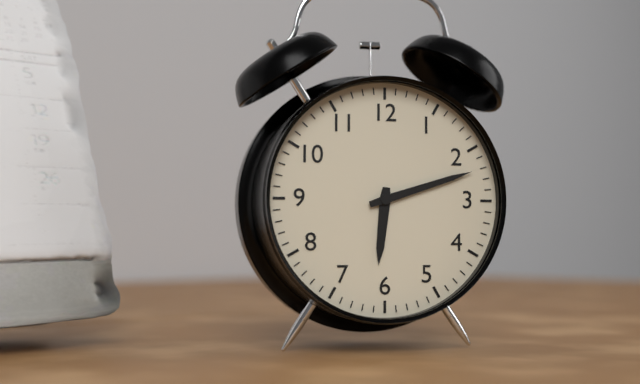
6:12
